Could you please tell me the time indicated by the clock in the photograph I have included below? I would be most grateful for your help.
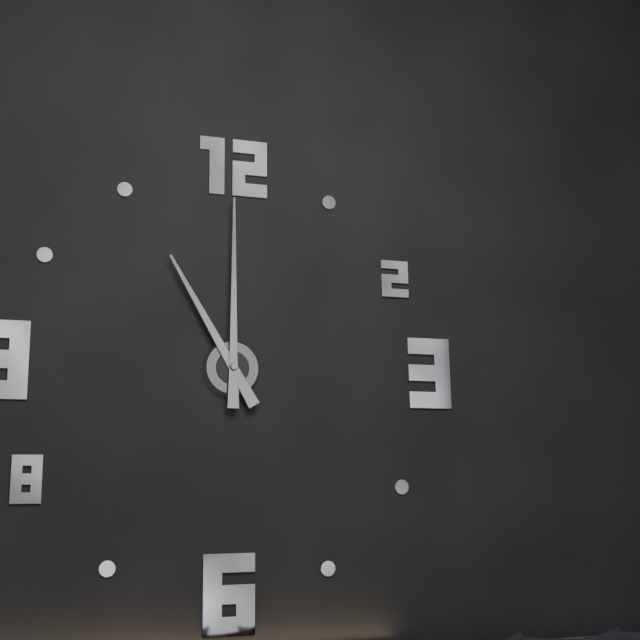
11:00
